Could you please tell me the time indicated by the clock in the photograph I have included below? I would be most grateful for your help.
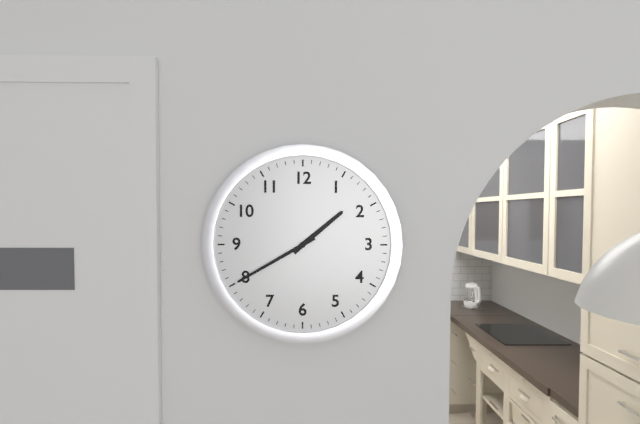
1:40
